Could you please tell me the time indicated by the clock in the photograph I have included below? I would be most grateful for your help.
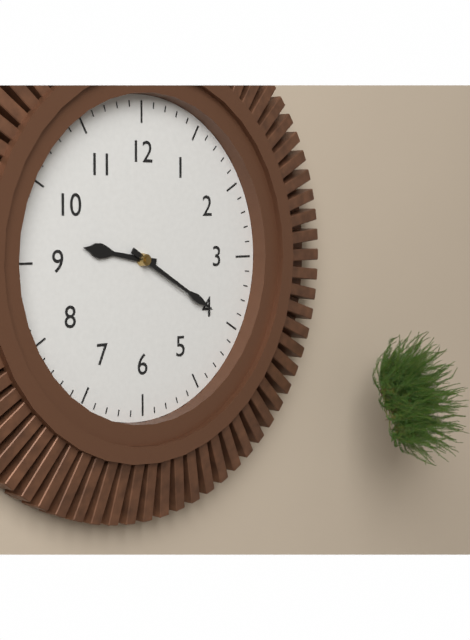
9:20
